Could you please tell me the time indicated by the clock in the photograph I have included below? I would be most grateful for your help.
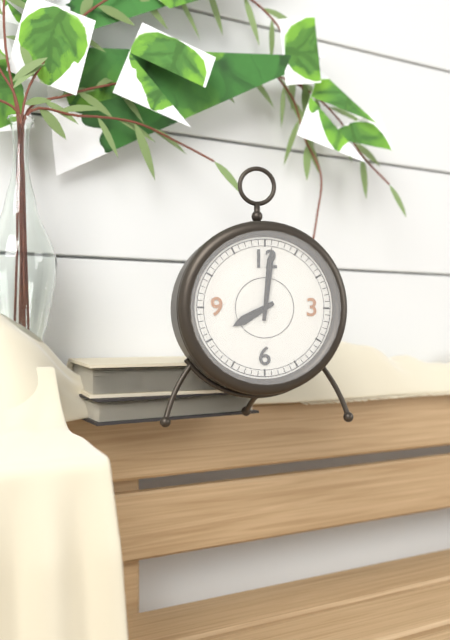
8:01
